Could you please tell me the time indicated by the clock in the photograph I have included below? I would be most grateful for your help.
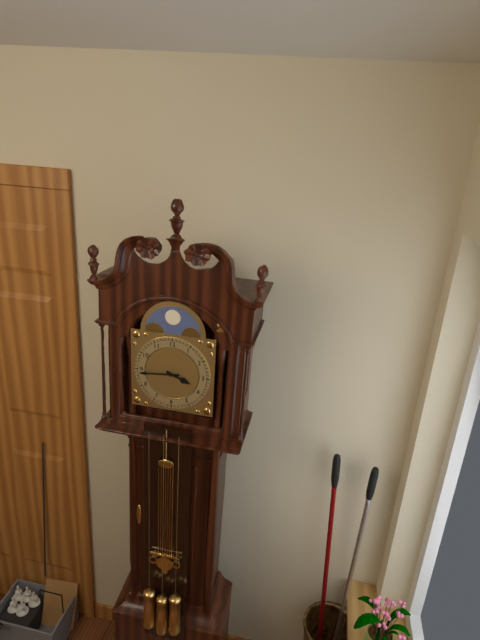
3:44
